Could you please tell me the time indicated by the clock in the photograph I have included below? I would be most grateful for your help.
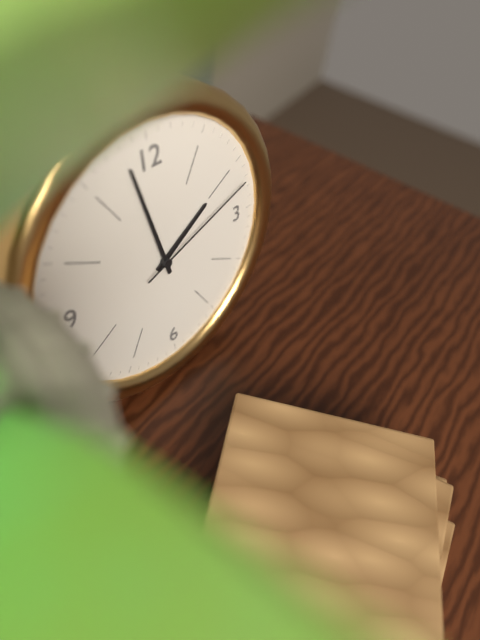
1:58:12
